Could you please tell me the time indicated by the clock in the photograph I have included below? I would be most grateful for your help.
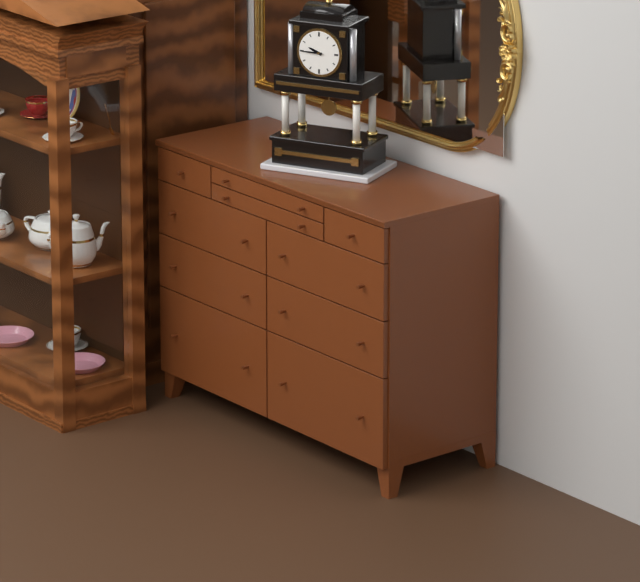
9:45
